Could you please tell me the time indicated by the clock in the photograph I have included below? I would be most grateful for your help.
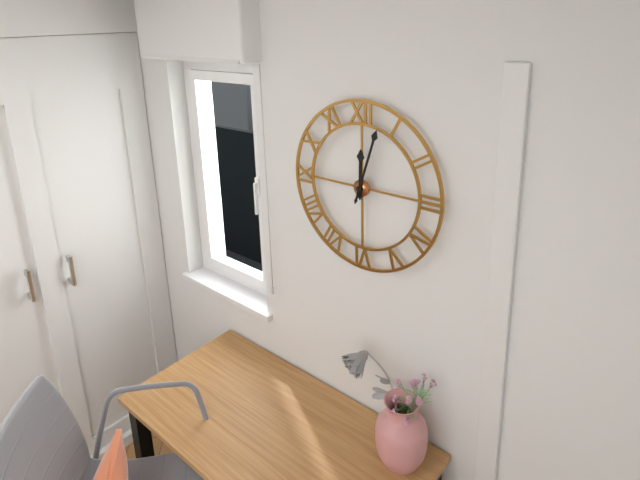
12:03
